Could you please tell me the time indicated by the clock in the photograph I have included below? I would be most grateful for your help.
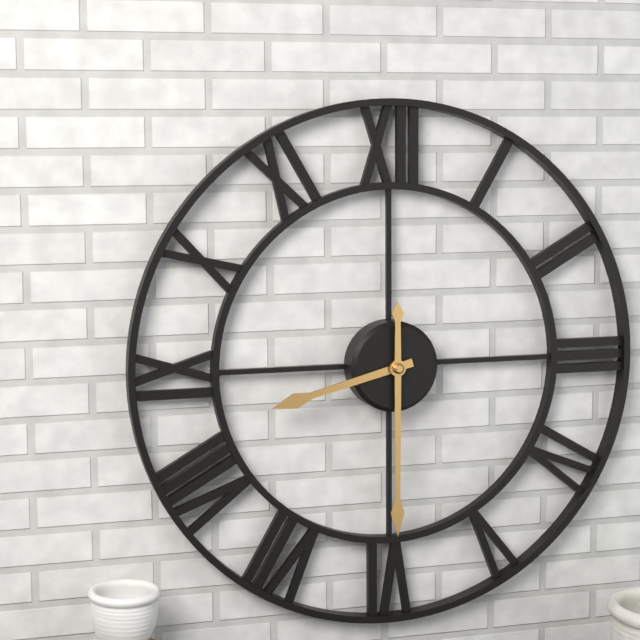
8:30
